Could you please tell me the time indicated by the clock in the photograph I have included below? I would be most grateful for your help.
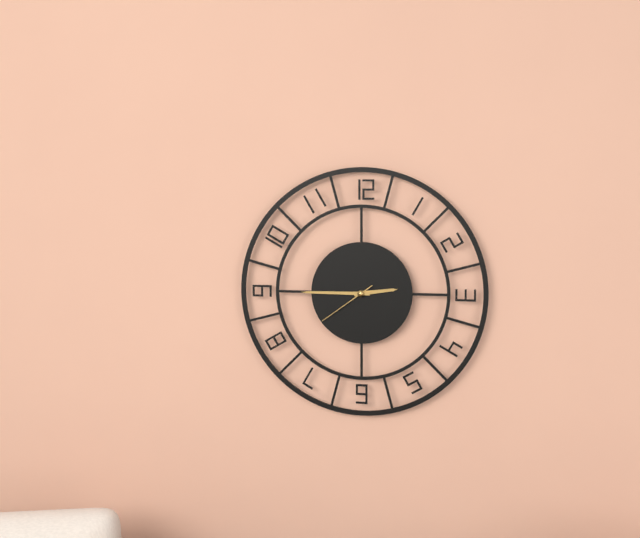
2:45:39
